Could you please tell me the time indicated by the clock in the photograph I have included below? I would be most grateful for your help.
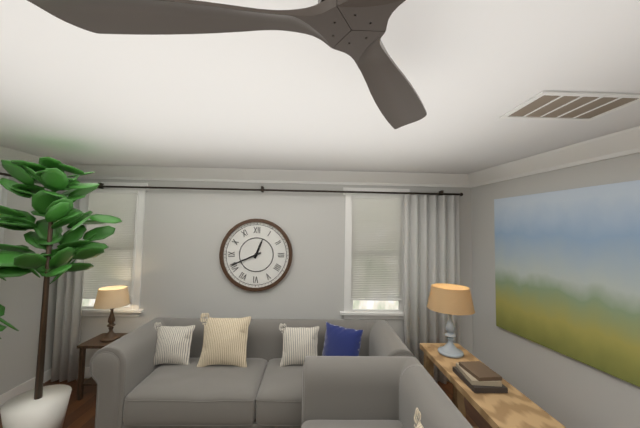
12:41
